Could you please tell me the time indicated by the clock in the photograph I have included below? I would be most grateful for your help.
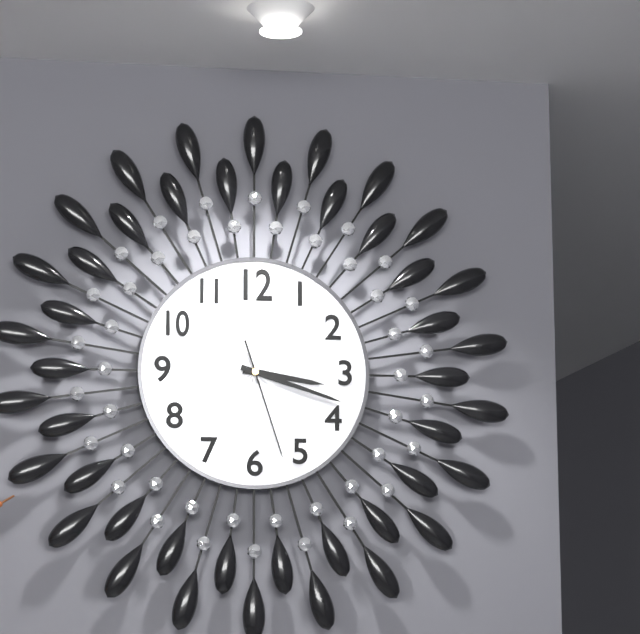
3:18:27
